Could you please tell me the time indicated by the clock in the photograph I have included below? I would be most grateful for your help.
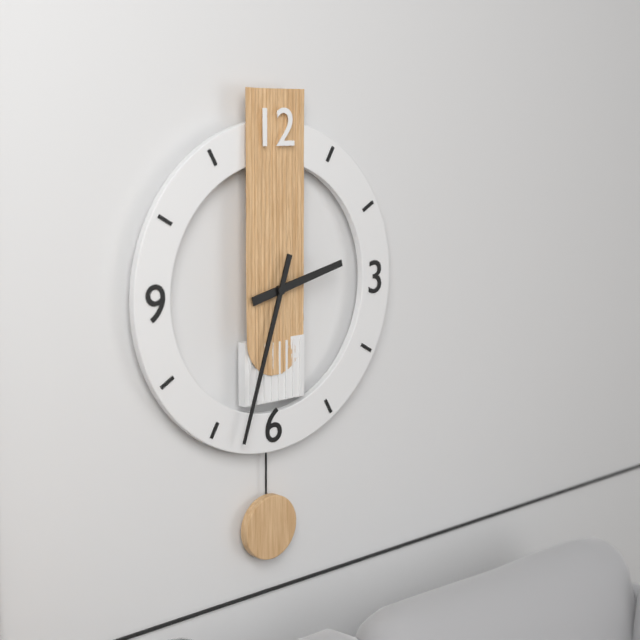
2:33
